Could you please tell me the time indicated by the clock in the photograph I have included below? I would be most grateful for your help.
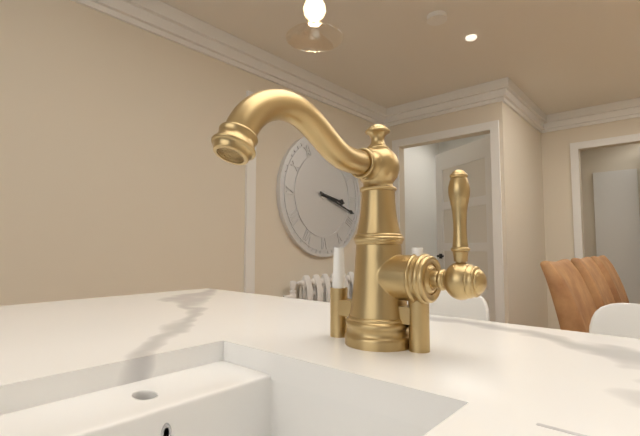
3:18
